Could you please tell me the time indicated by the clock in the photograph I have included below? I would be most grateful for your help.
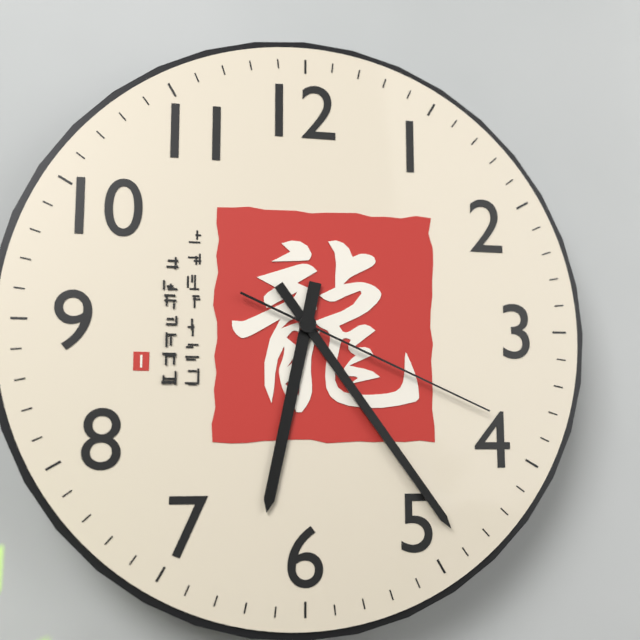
6:24:19
